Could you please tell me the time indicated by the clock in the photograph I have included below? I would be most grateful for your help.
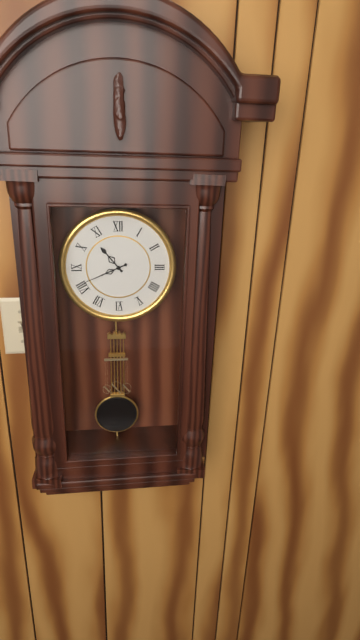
10:41
